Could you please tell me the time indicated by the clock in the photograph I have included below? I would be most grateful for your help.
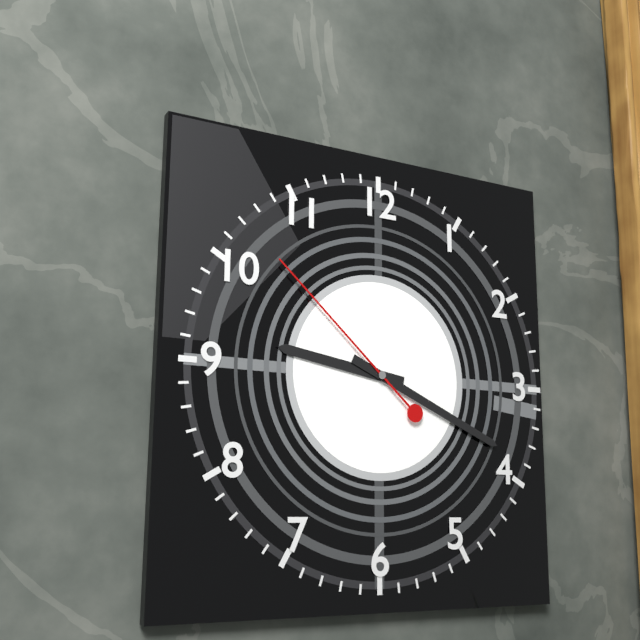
9:19:52
